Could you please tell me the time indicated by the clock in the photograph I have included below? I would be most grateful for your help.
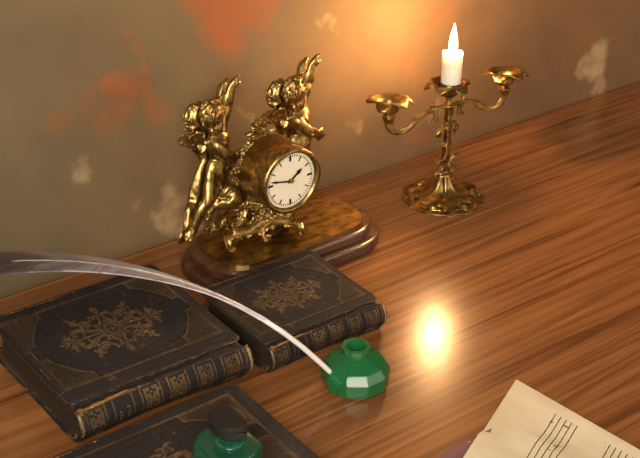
1:47
